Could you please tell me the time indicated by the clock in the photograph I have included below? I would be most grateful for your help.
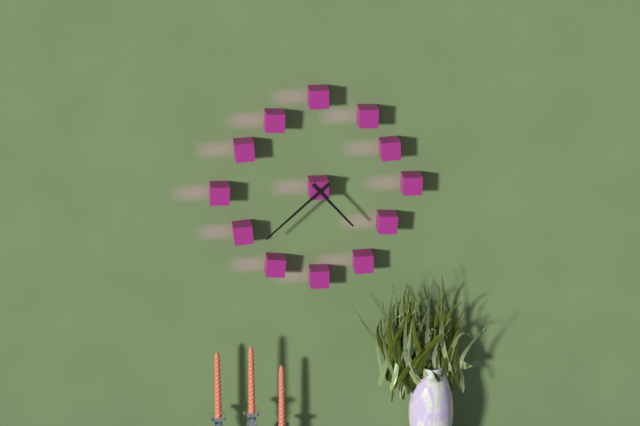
4:38
